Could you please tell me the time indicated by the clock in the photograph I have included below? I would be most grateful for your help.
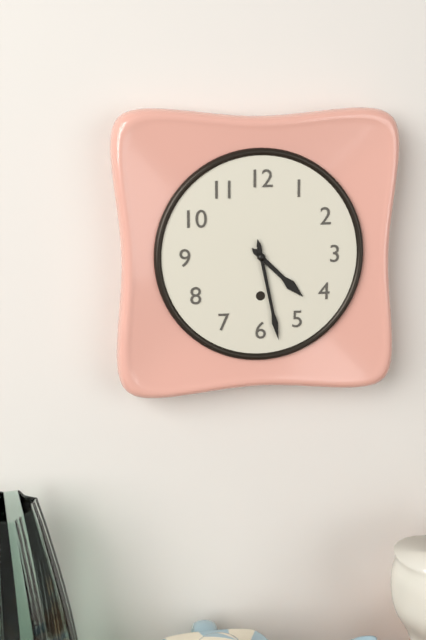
4:28
